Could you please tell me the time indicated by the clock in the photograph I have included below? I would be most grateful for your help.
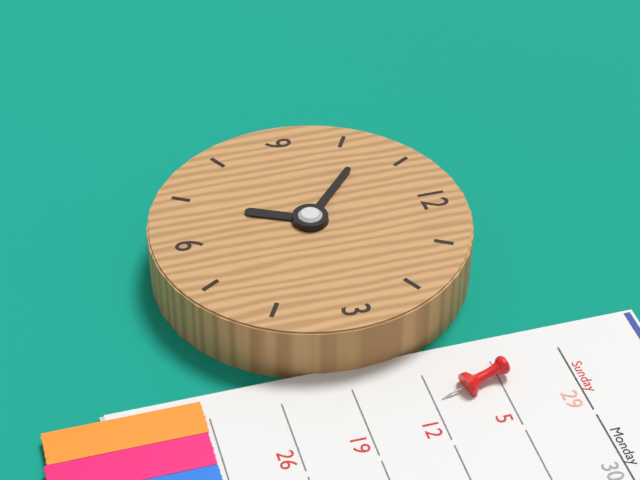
6:52
